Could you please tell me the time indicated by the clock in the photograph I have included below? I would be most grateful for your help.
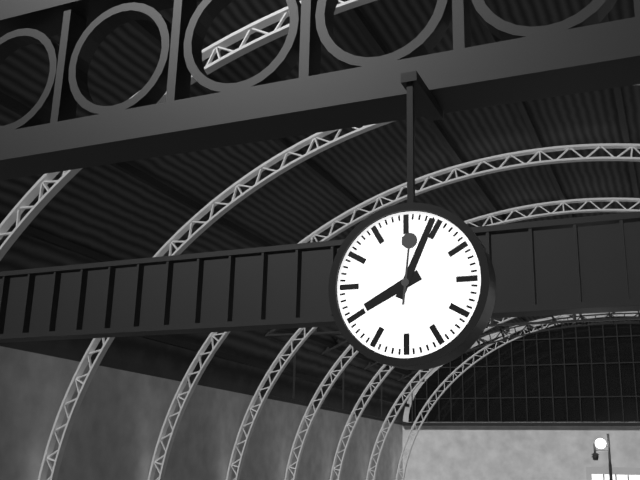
8:04:01
